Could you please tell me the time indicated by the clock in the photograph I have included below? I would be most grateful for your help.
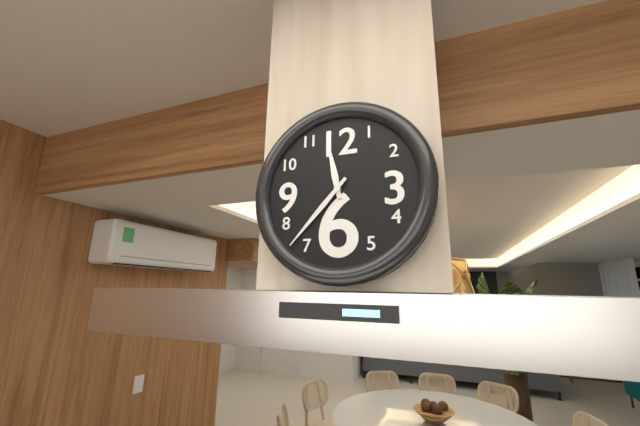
11:37
